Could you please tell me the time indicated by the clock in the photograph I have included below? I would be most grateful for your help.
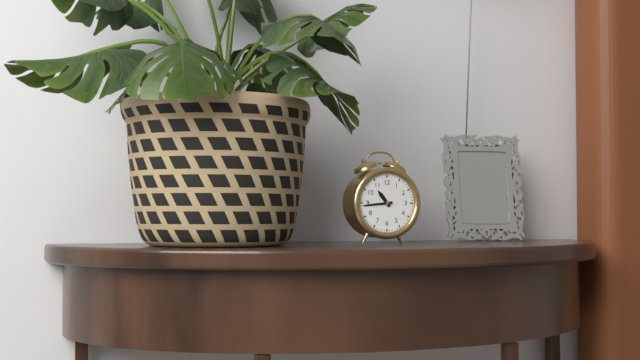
10:44
